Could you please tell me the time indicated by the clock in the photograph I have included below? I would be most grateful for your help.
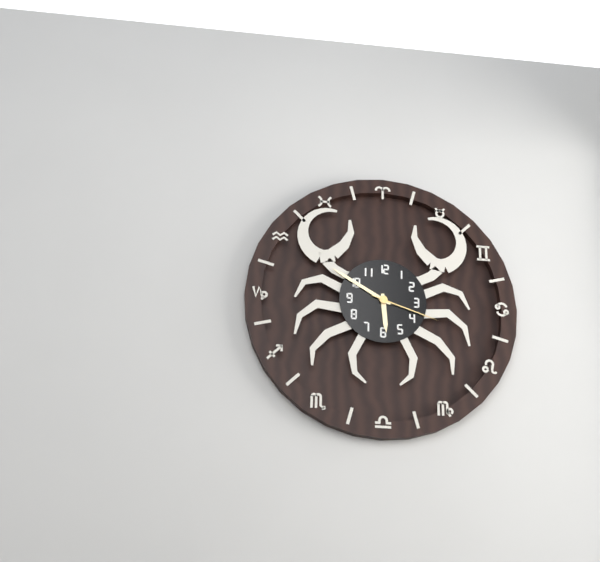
5:50:18
